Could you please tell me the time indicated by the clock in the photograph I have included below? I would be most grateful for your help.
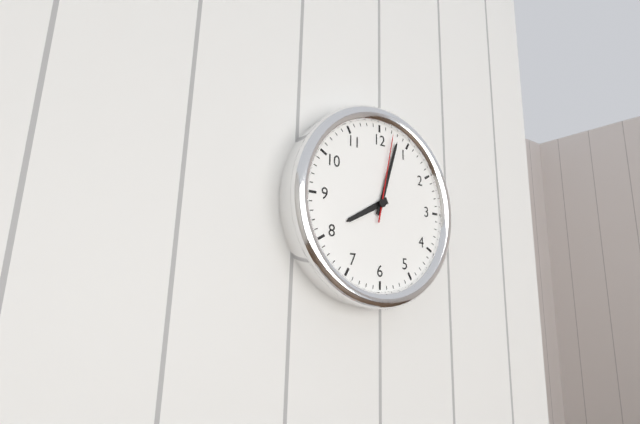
8:03:02
